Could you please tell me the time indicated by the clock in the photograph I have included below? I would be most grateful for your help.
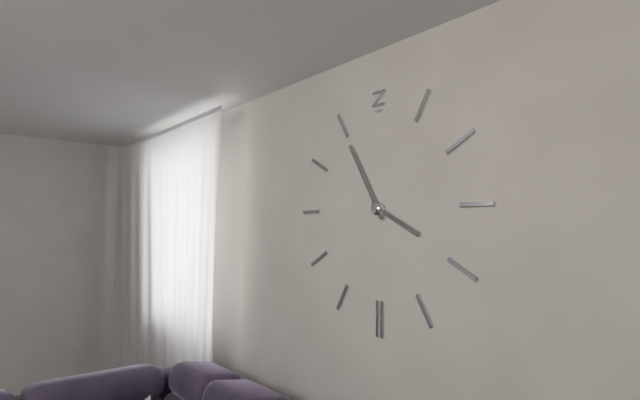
3:55
